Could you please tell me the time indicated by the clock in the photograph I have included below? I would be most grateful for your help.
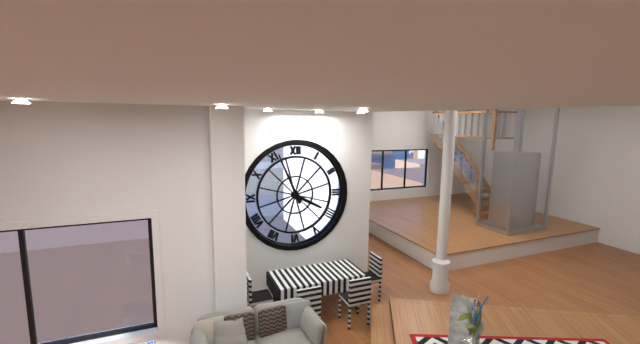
3:56
